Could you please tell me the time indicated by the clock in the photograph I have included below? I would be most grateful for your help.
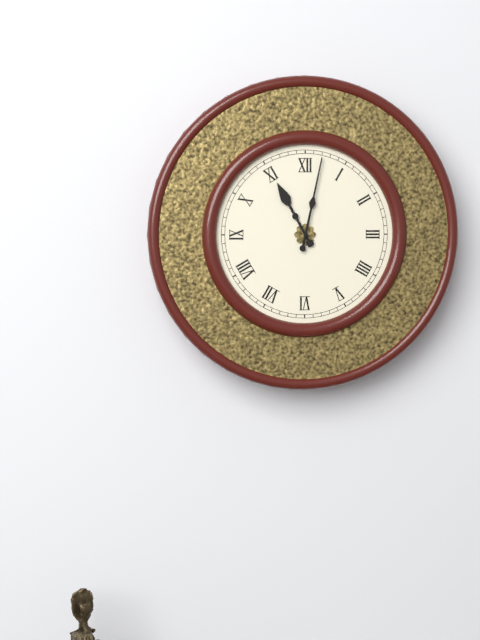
11:02
